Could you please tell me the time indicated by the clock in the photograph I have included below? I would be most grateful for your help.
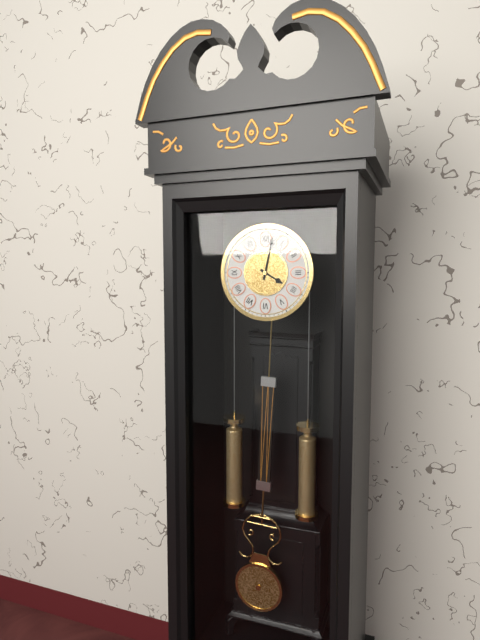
4:02
